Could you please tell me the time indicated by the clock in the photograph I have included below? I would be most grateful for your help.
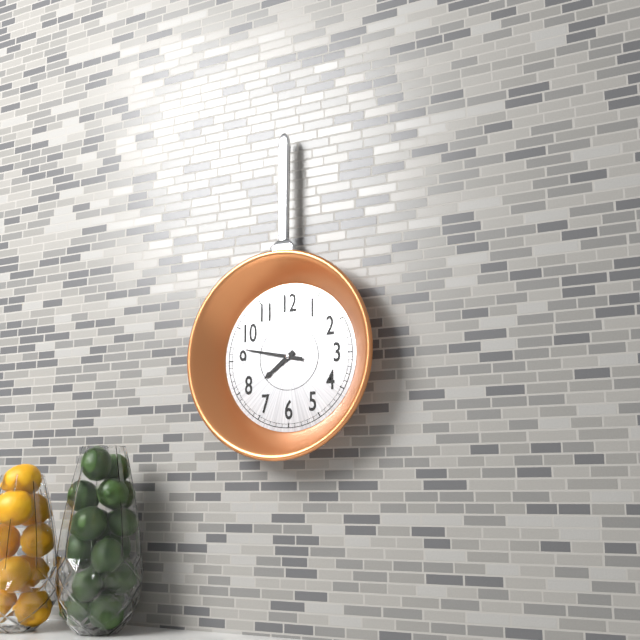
7:47
